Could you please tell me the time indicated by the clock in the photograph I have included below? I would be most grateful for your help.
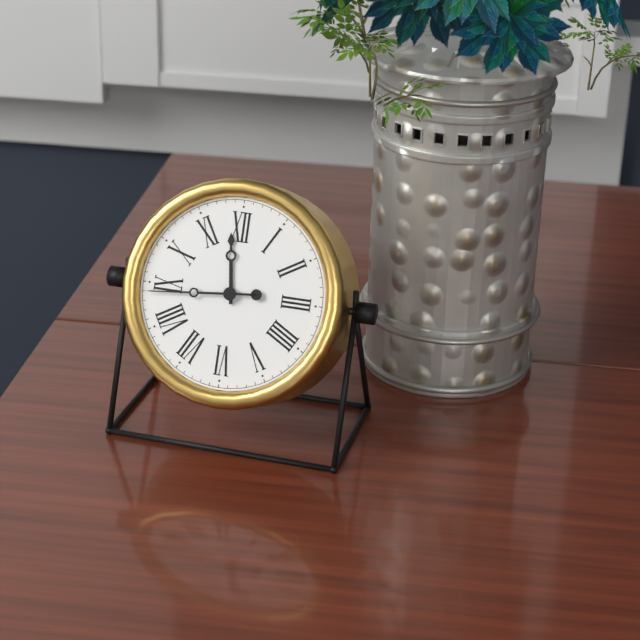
11:44
